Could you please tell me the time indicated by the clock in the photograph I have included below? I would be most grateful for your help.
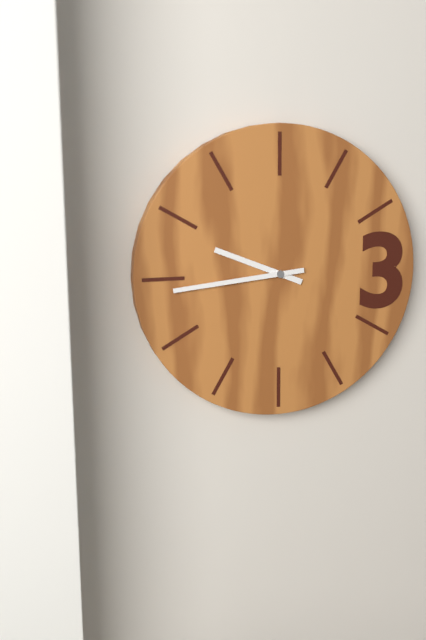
9:44
